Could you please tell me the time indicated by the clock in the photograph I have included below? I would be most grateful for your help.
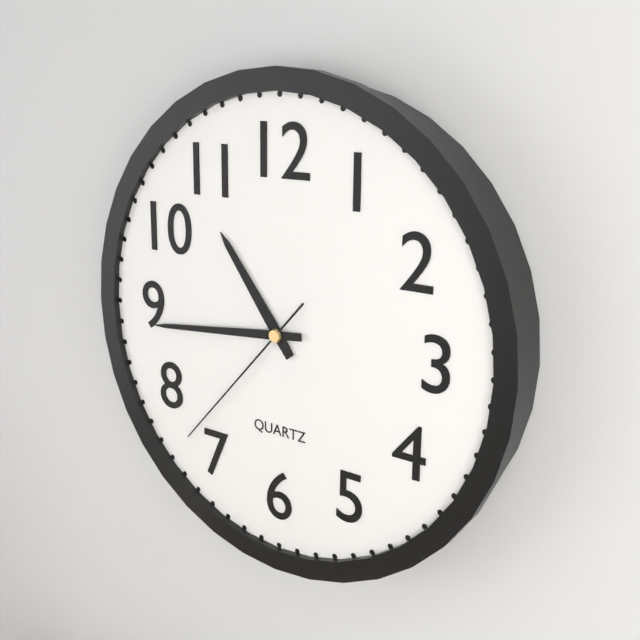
10:44:37
